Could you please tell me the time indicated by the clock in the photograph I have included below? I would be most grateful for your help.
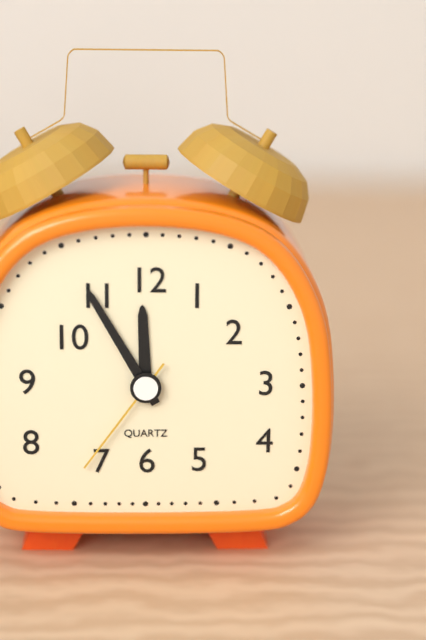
11:55:36
